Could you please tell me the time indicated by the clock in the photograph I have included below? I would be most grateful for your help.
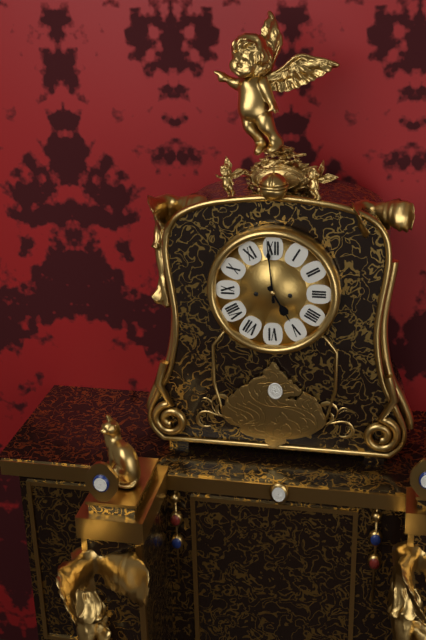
4:59
